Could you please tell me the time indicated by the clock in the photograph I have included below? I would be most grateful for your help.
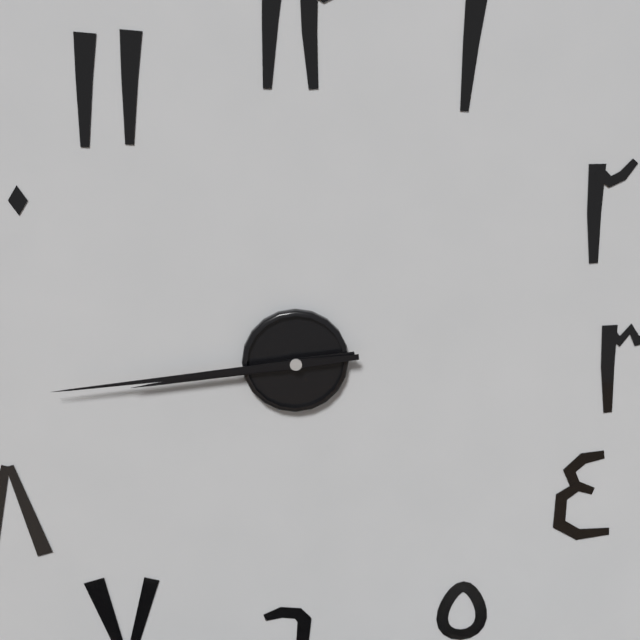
8:44
